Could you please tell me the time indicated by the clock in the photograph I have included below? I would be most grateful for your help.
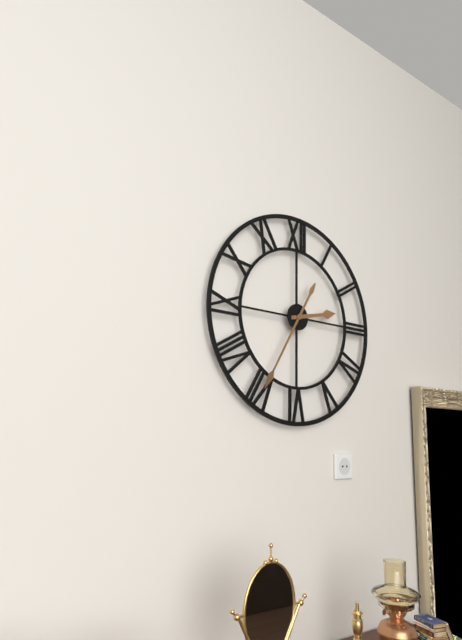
2:35
